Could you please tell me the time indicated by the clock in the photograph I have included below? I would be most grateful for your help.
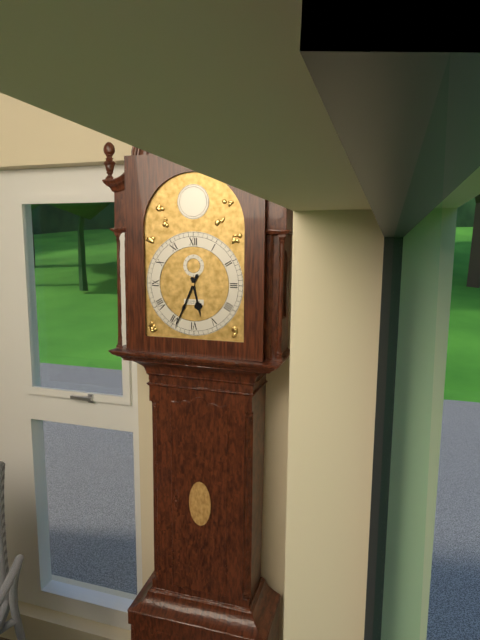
5:34
